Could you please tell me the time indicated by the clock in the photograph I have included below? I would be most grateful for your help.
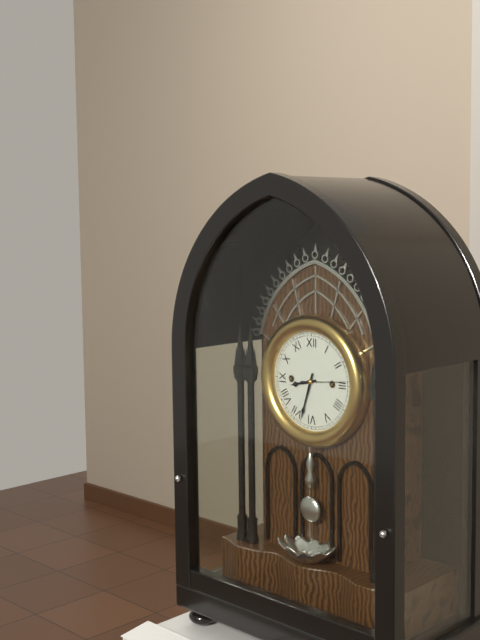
8:33
